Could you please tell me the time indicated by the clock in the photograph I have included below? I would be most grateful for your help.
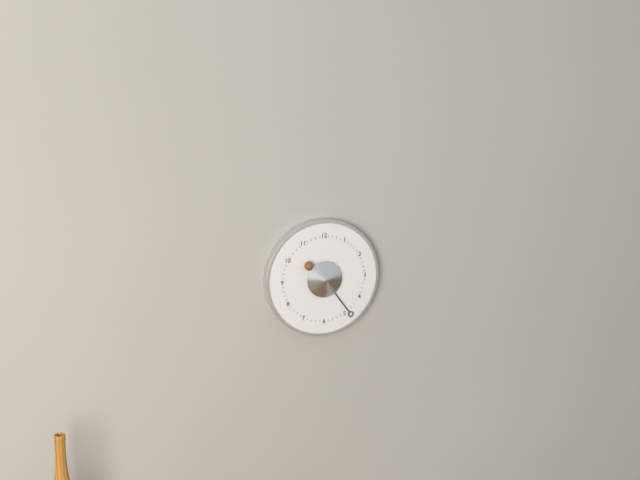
10:24
